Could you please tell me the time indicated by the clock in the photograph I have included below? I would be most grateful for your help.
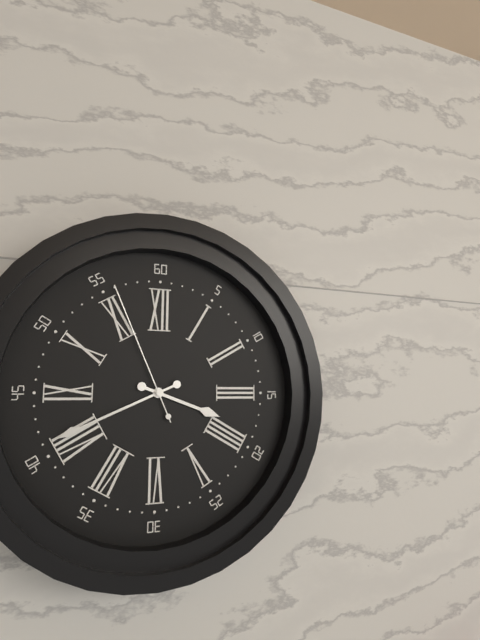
3:41:56
